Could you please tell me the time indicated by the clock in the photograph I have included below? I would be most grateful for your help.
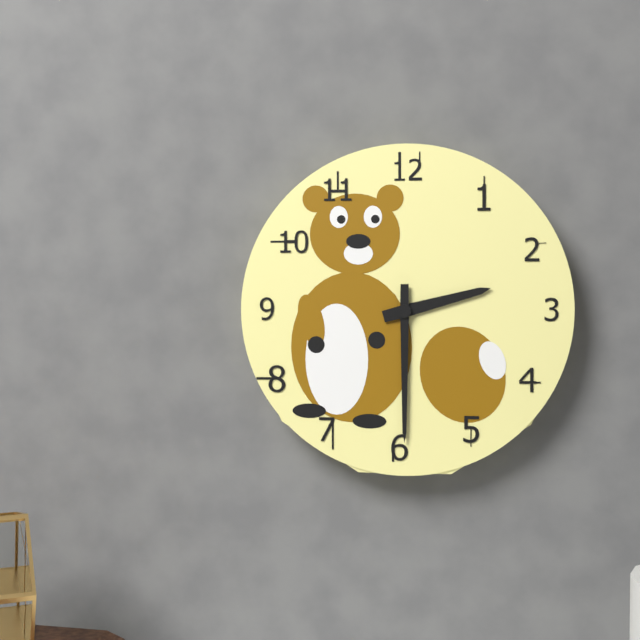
2:30
